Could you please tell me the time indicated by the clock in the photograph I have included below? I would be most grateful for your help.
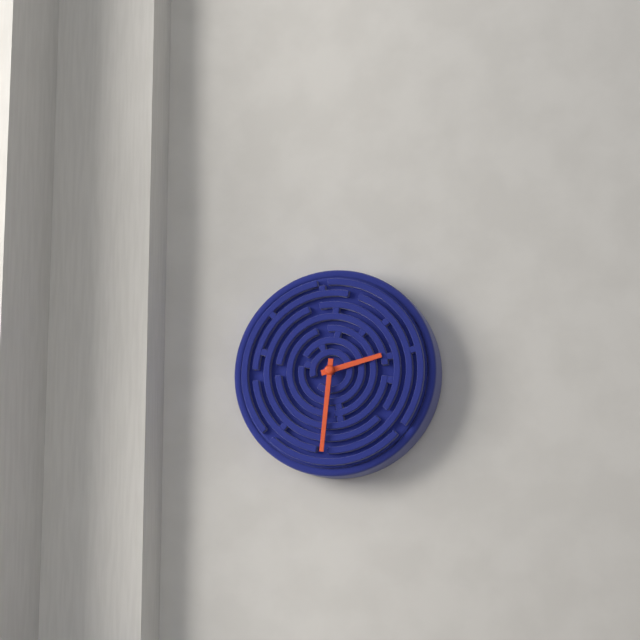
2:31
